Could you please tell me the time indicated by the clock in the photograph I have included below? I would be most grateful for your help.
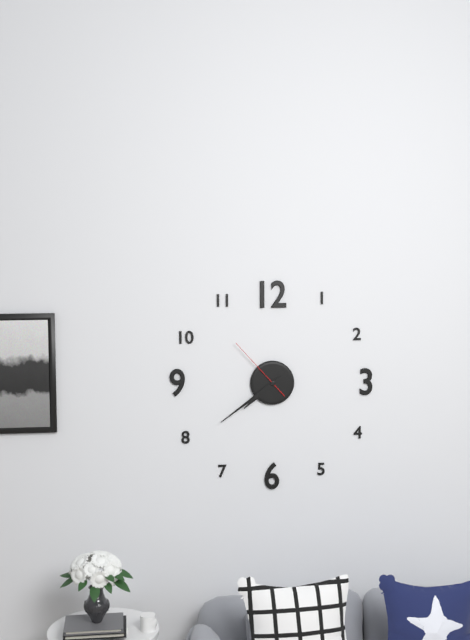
7:39:53
